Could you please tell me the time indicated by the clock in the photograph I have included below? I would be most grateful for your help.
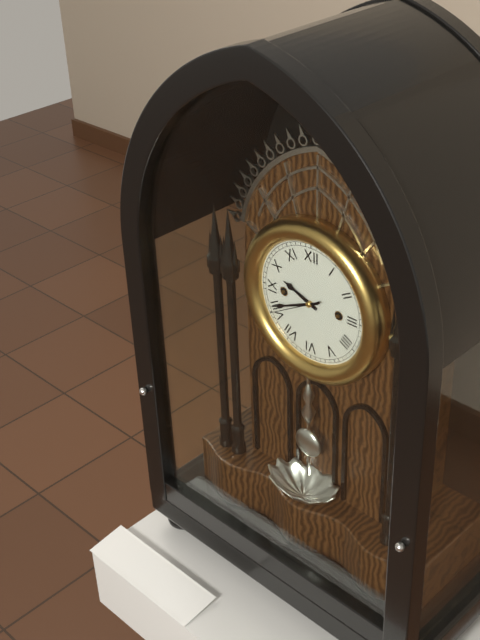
9:41
